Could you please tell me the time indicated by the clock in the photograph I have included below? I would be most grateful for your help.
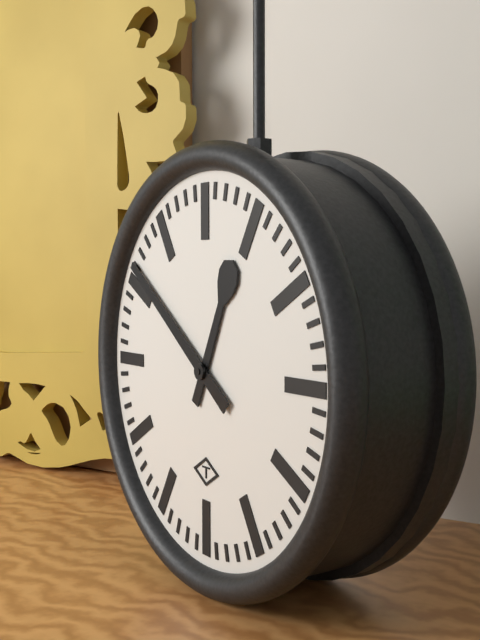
12:51
